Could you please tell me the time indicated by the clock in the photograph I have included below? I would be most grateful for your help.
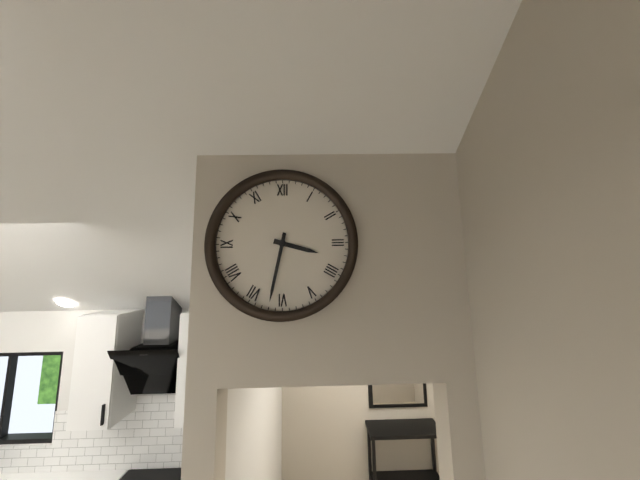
3:32
